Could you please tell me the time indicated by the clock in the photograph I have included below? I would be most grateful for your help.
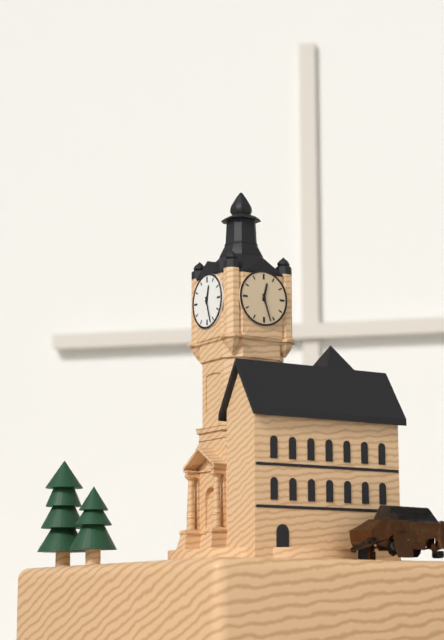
12:27
